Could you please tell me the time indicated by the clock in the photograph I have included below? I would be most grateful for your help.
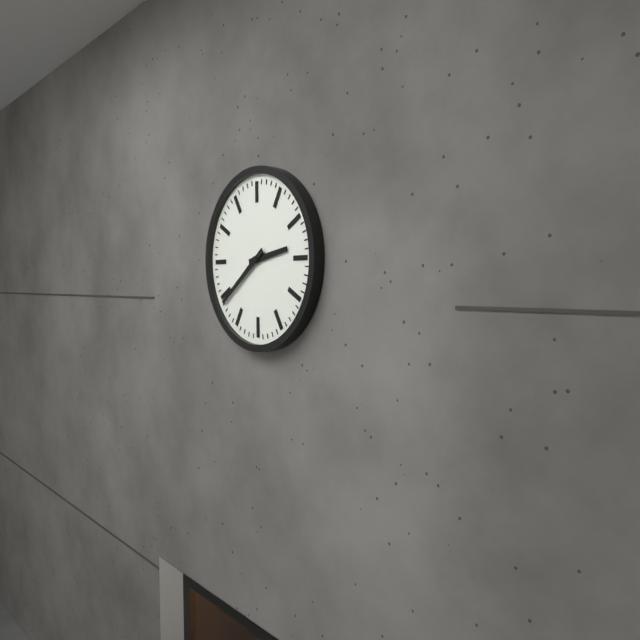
2:39
